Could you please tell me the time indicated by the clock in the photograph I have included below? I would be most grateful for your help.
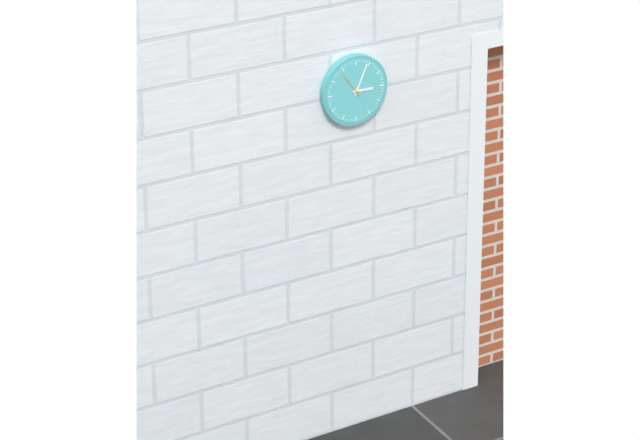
3:04
